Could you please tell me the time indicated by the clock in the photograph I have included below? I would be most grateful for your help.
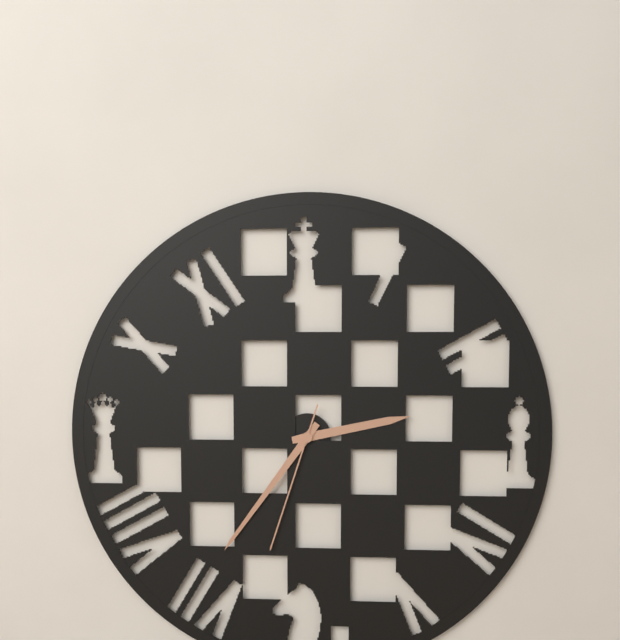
2:36:33
